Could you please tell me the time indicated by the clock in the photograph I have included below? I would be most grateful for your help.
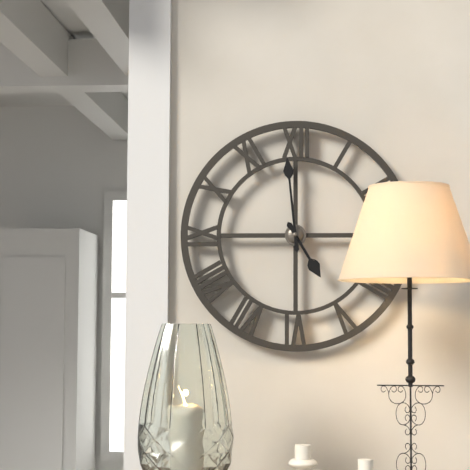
4:59
